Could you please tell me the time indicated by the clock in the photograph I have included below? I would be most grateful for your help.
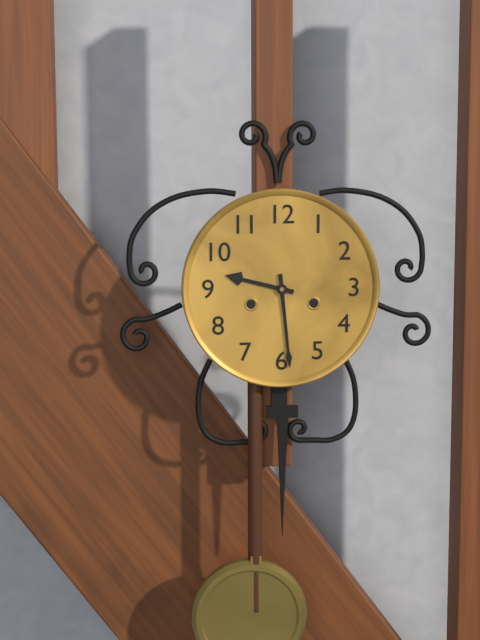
9:29
